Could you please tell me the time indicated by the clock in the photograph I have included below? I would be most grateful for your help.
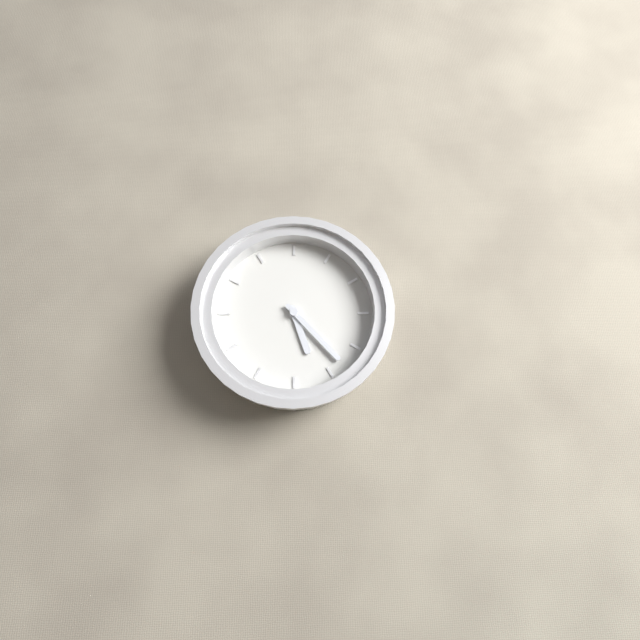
5:23
